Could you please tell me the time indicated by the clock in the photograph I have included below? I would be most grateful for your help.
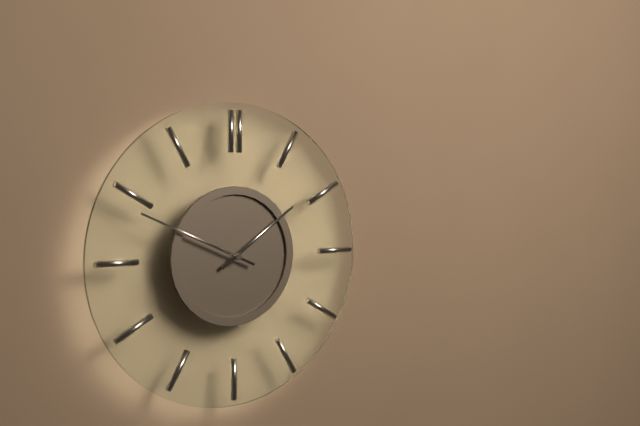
1:49
